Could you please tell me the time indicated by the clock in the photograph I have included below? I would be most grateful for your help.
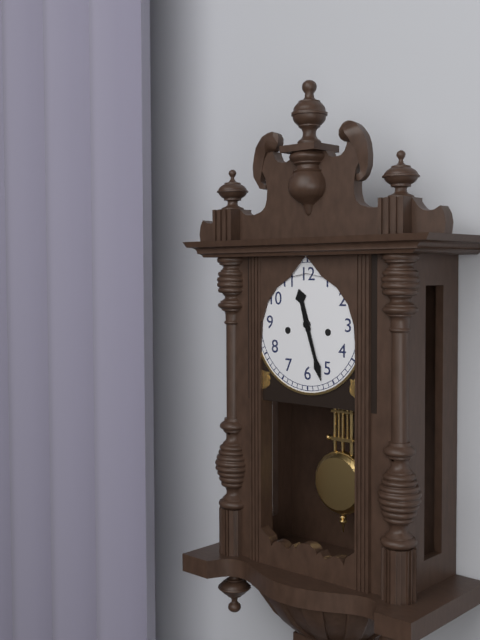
11:27
